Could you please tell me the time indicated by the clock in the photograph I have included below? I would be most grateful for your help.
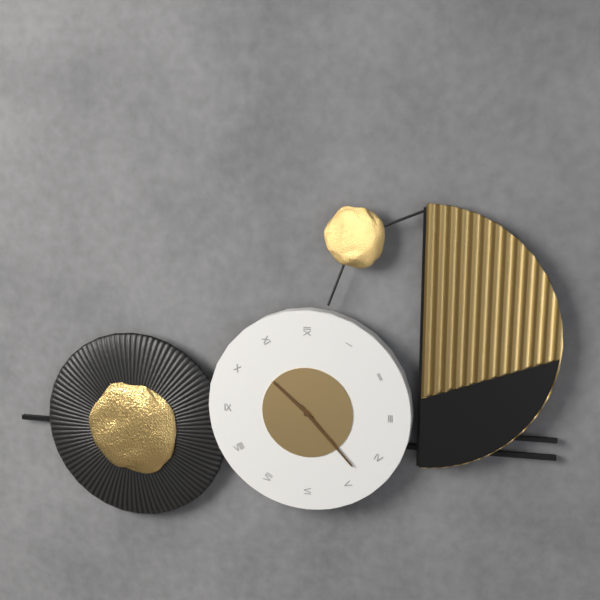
10:23
